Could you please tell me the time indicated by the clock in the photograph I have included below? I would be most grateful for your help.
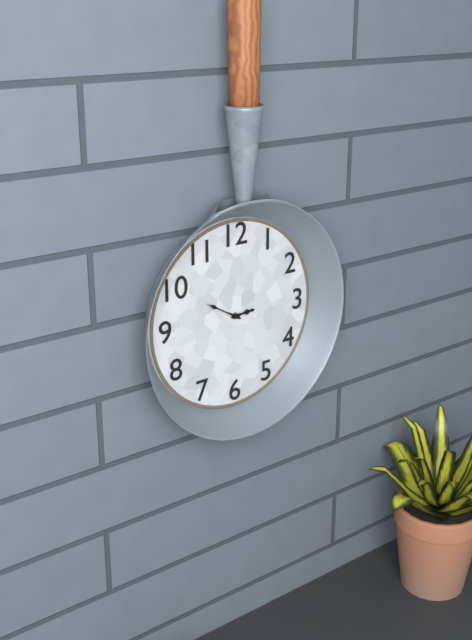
2:50
